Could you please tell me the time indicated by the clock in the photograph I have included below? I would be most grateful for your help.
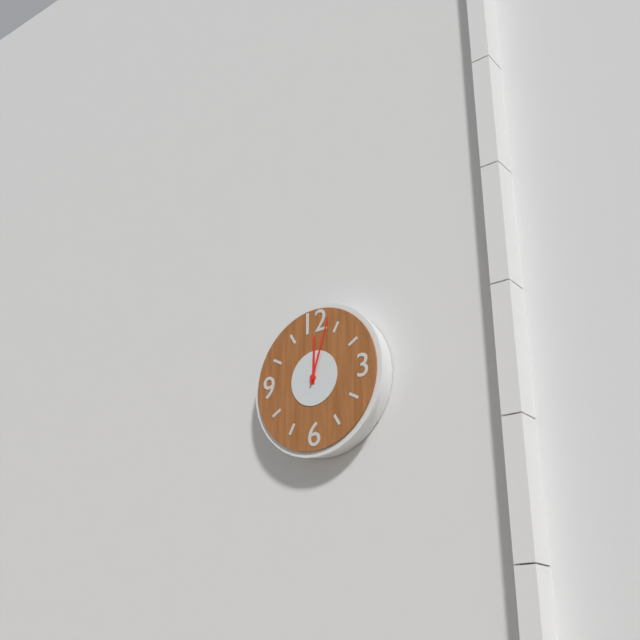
12:03
